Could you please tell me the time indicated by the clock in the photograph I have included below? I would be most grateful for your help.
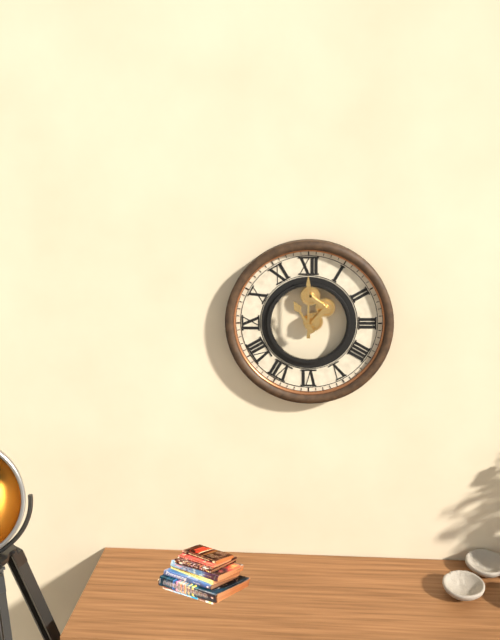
11:00
